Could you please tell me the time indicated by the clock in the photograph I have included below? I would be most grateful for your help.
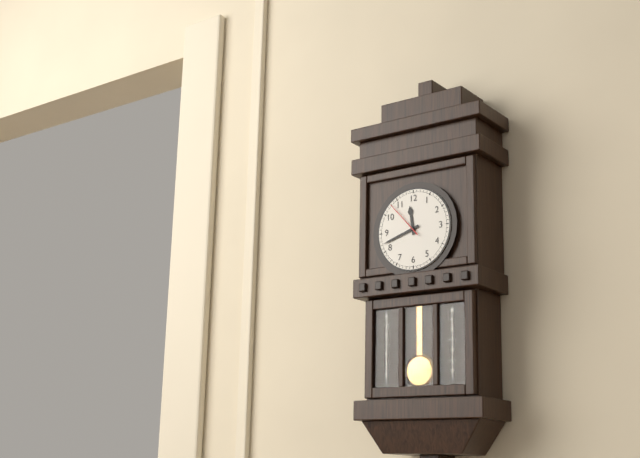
11:42
